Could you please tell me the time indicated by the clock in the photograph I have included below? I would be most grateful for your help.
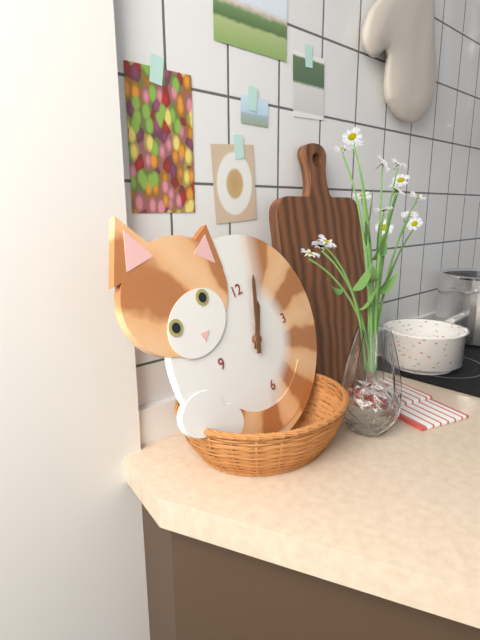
1:04
